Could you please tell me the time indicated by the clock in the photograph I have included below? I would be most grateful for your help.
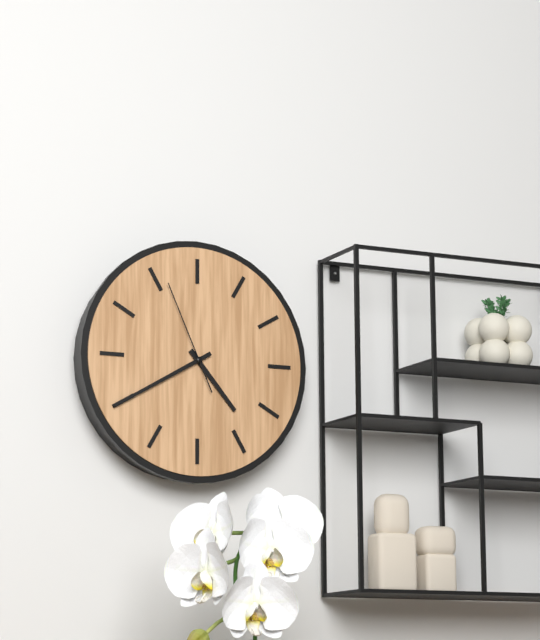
4:40:56
